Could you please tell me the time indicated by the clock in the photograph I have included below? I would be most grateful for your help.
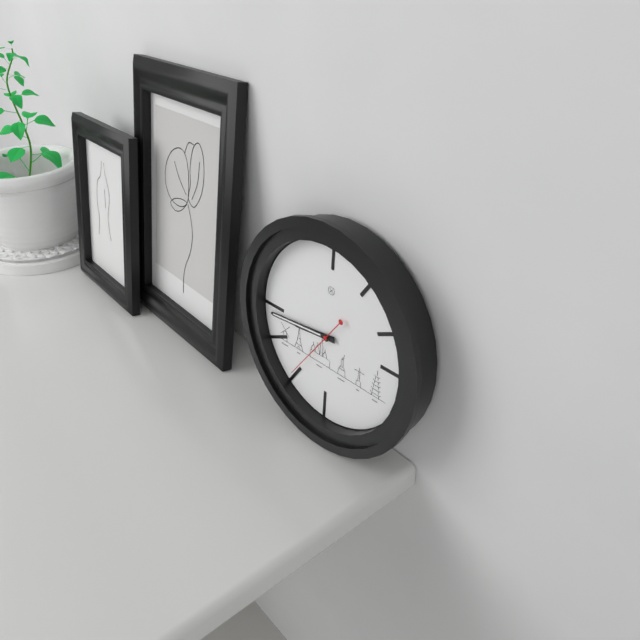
8:44:36
